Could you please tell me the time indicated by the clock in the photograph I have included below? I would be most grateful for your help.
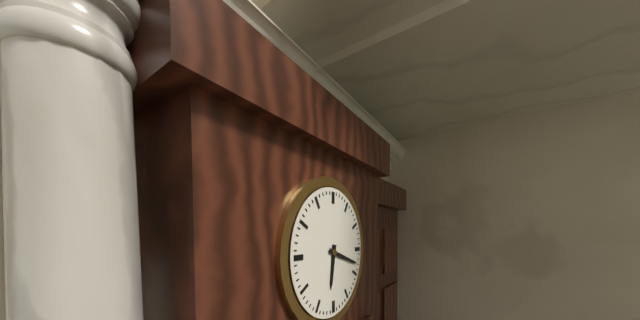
6:18
